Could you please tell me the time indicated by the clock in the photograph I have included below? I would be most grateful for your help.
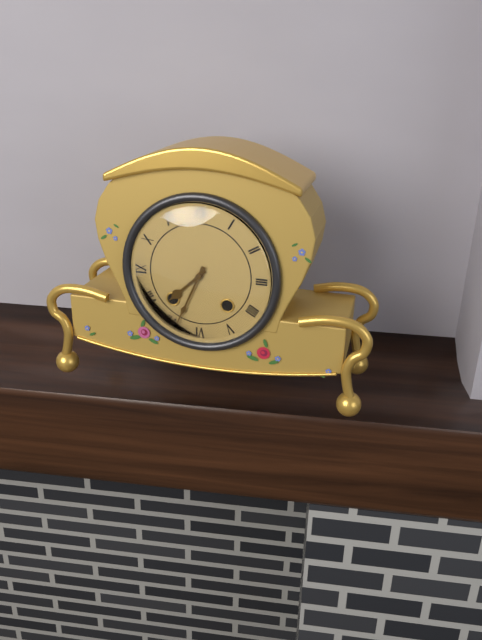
7:34
